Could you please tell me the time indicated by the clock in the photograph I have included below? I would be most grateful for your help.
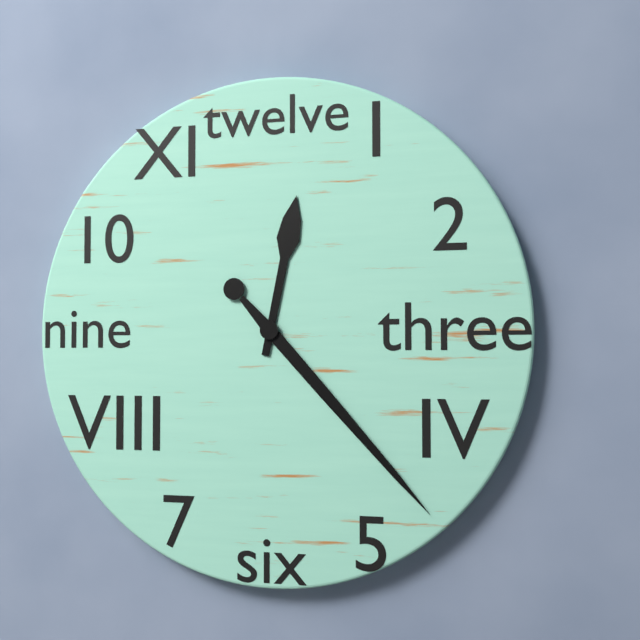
12:23
